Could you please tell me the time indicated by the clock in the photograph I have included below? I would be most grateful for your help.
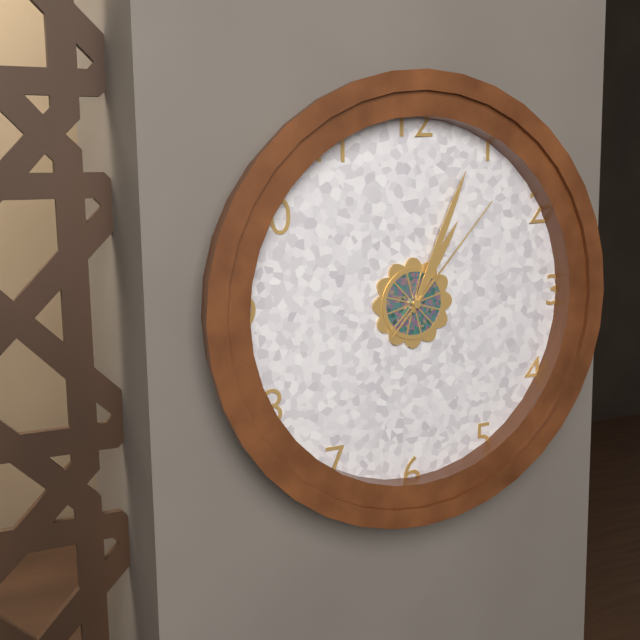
1:04:07
